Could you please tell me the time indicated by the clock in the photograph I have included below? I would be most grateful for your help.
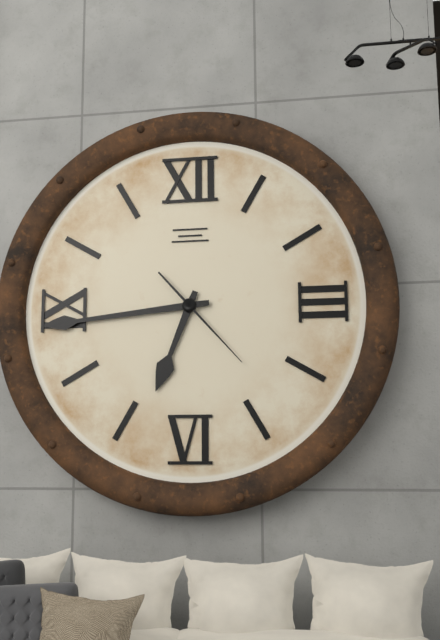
6:44:23
